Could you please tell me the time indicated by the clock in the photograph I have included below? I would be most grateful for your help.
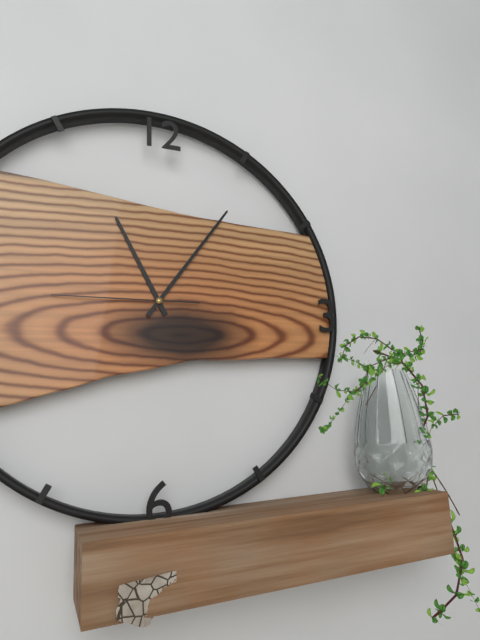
11:06:45
